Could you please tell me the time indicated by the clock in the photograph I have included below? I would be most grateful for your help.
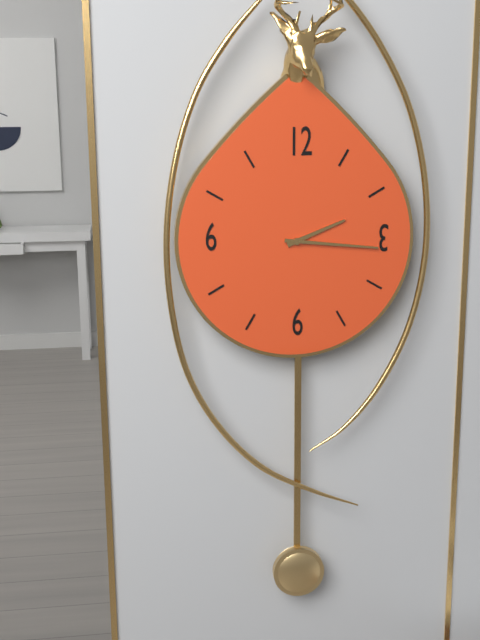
2:16
